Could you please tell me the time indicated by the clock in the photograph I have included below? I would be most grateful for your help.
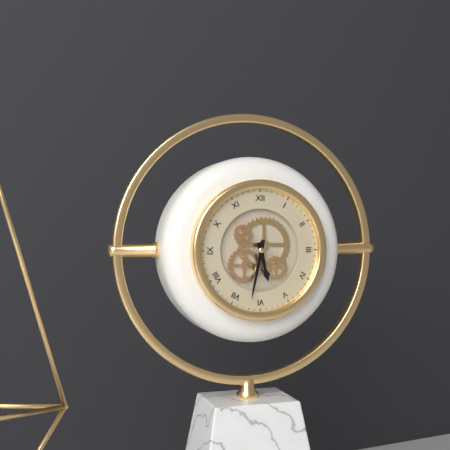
5:32
